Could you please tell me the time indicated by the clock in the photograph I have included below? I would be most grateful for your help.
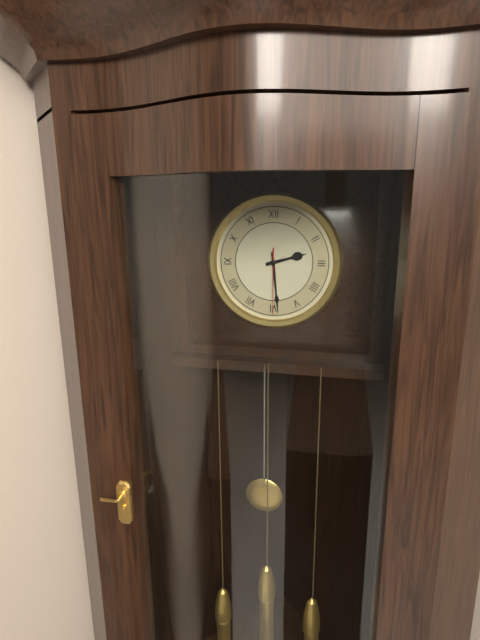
2:29:30
